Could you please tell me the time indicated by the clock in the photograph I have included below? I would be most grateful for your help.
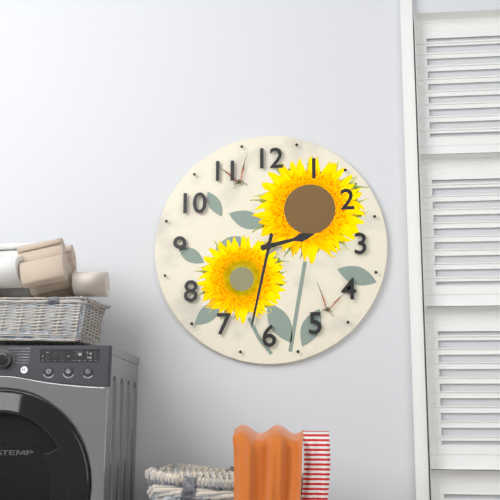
2:32
